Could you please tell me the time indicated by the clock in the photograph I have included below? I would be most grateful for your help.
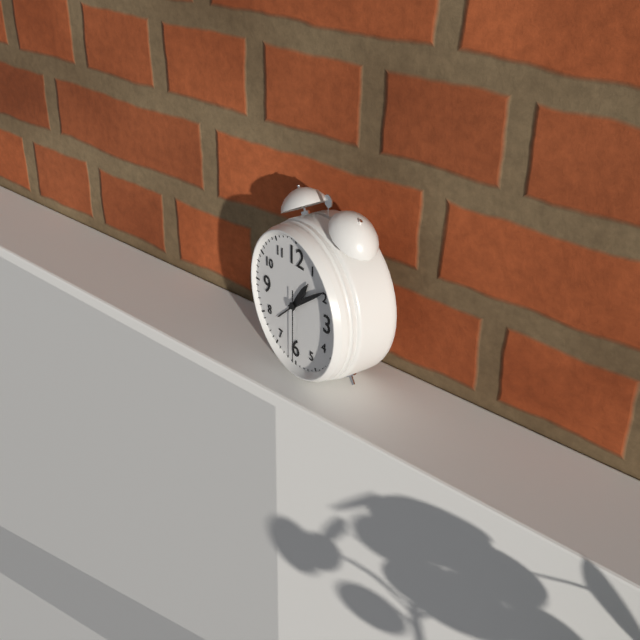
1:09:30
